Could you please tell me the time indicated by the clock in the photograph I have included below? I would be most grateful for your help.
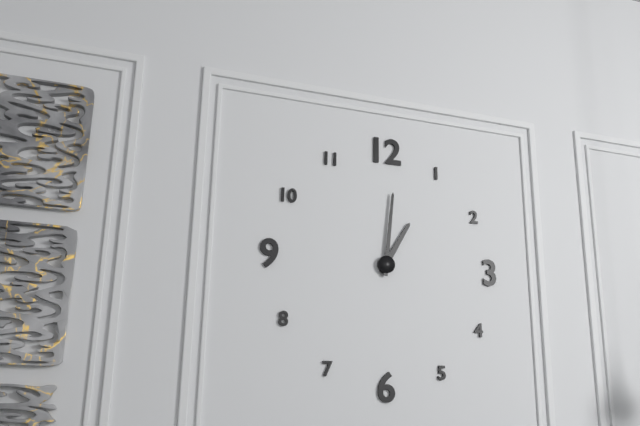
1:01
